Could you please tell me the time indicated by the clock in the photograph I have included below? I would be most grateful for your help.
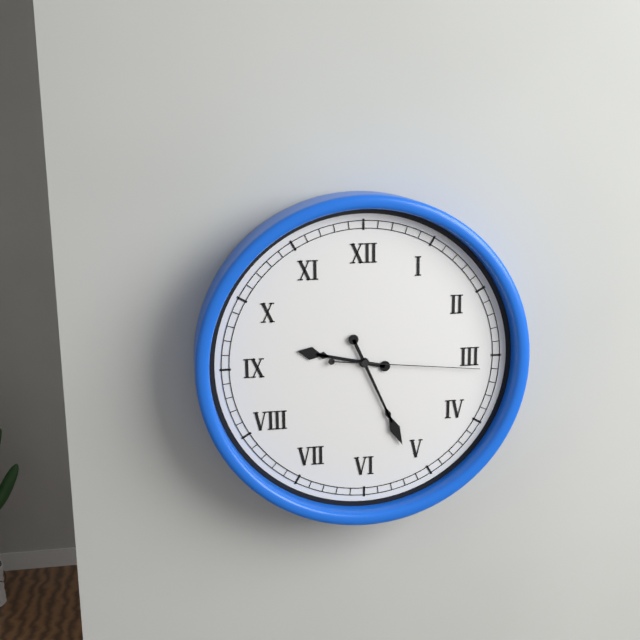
9:26:16
